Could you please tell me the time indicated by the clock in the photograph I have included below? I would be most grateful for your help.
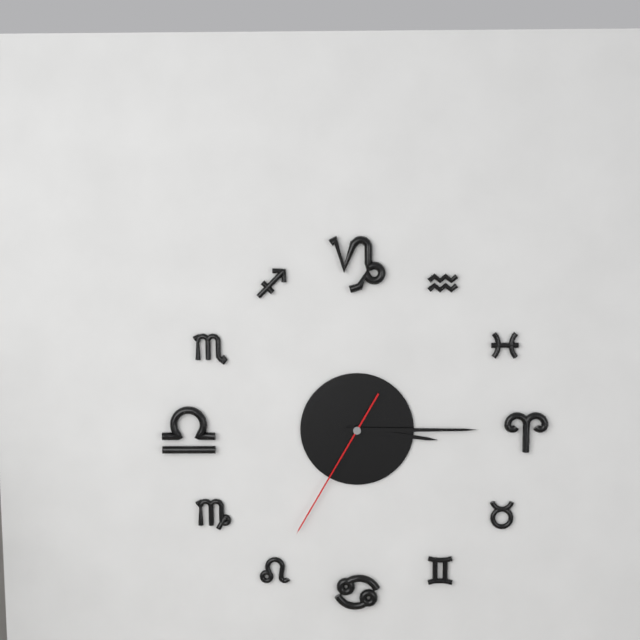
3:15:35
